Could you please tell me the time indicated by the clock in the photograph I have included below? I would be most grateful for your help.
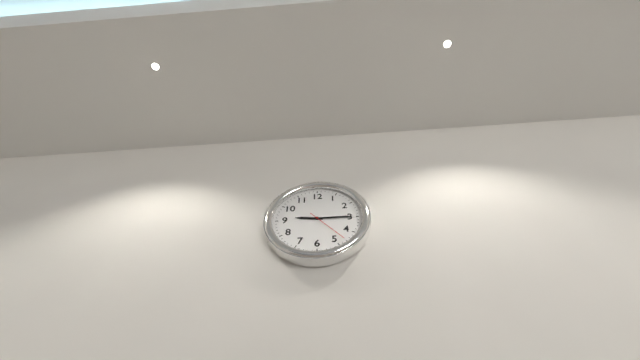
9:15
